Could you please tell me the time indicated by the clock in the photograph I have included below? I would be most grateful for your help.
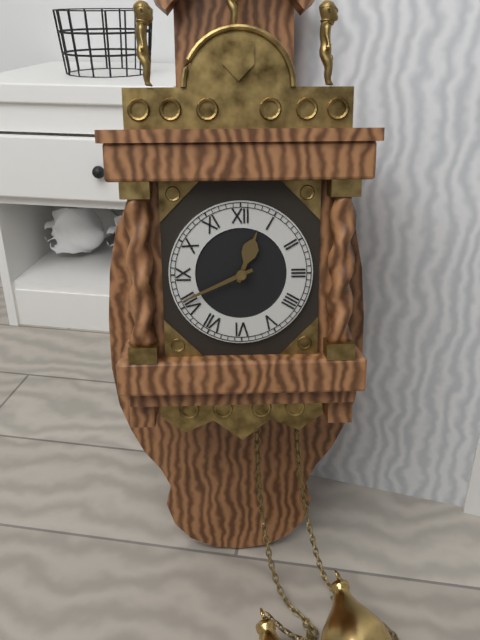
12:41
